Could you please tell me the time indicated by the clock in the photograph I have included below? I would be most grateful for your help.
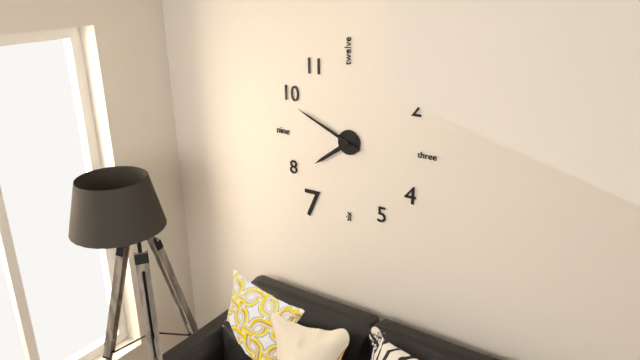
7:49
